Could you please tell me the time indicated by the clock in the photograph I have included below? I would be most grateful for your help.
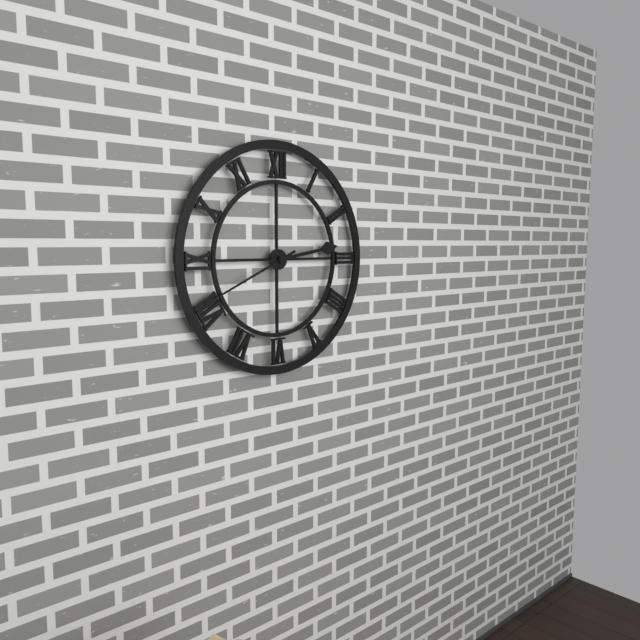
2:41
